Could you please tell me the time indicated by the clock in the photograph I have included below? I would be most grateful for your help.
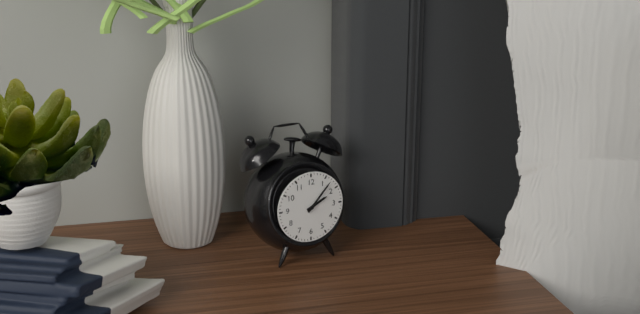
2:07
